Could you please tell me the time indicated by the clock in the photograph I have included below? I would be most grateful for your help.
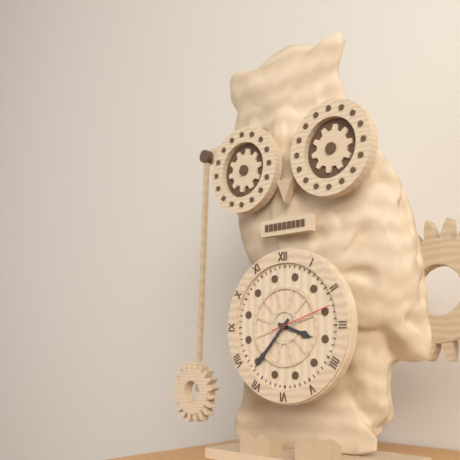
3:37:12
